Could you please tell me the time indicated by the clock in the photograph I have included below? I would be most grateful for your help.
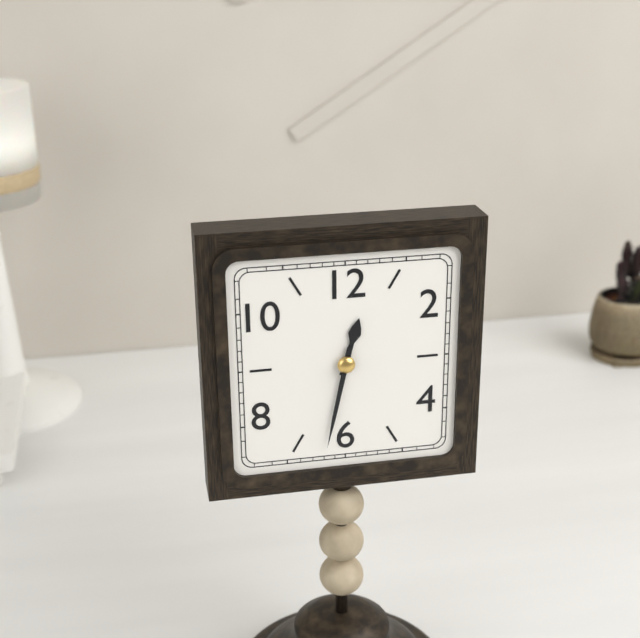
12:32
